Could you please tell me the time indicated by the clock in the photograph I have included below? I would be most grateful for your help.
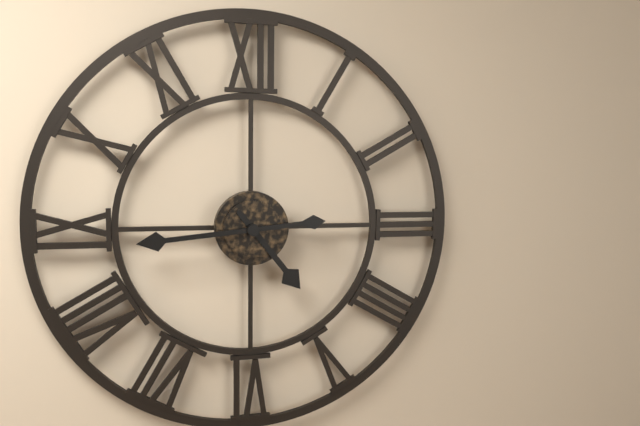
4:44
